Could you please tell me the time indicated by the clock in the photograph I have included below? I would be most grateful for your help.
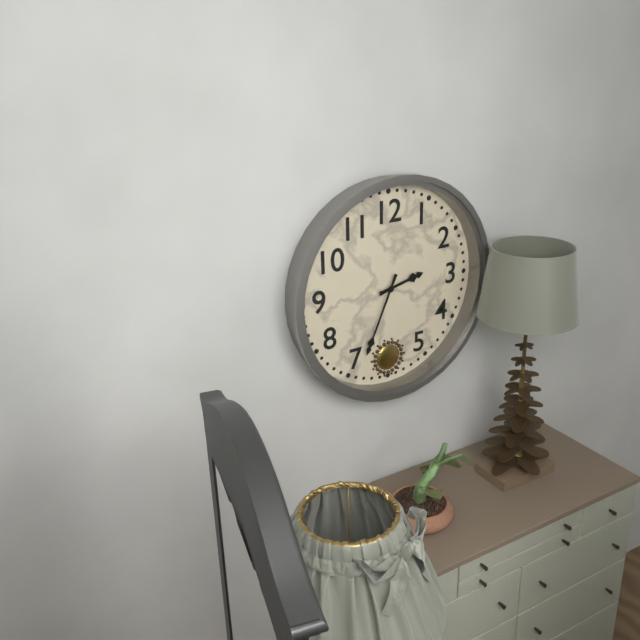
2:34
